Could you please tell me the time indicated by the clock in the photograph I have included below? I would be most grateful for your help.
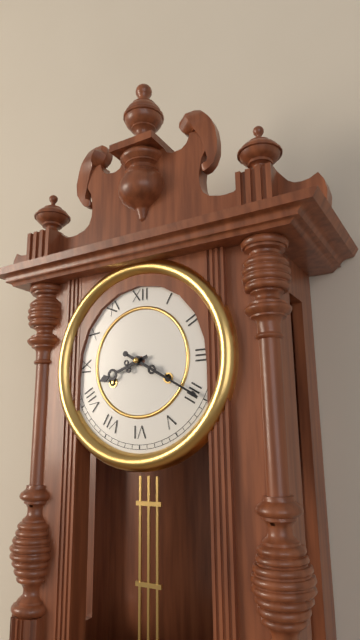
8:20
